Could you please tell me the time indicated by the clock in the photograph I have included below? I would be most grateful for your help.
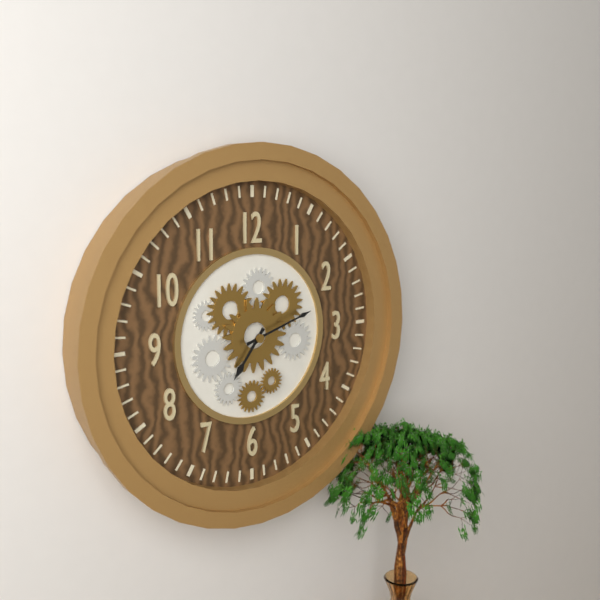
7:12
